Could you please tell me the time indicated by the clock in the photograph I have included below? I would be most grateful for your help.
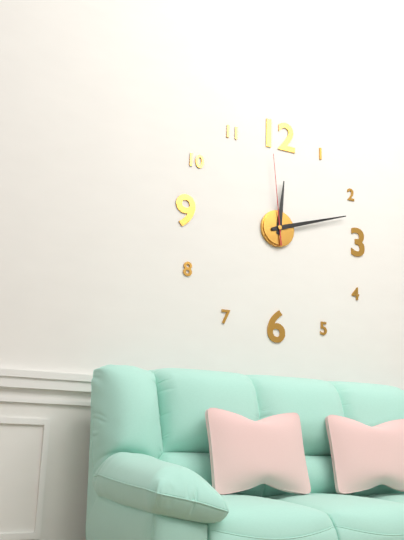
12:12:59
